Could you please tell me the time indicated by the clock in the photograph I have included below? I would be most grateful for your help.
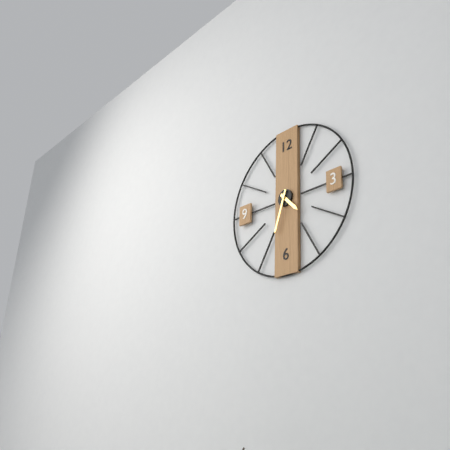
4:33
